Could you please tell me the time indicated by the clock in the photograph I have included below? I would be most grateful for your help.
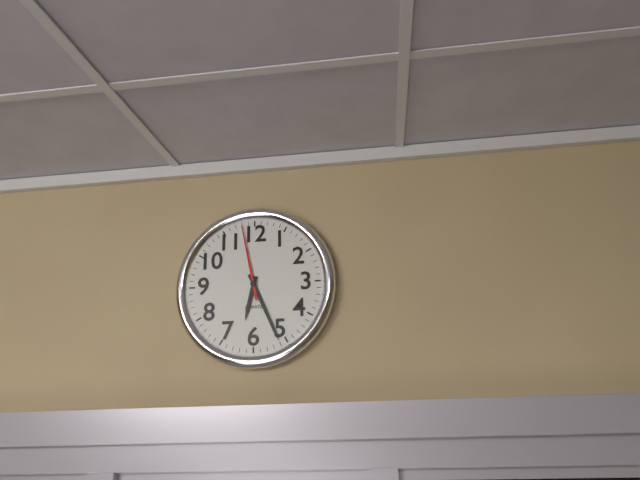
6:26:58
